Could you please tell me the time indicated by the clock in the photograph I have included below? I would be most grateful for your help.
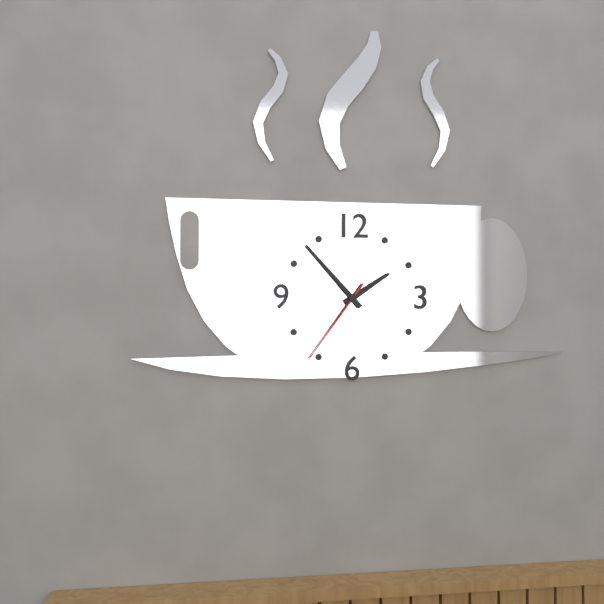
1:53:36
